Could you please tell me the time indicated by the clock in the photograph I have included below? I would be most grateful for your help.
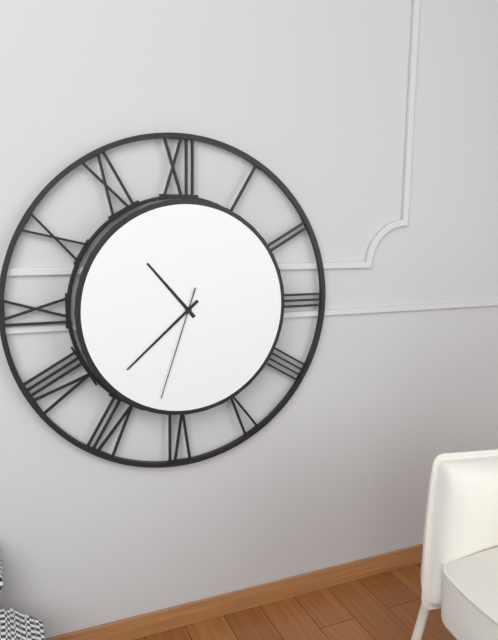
10:38:33
